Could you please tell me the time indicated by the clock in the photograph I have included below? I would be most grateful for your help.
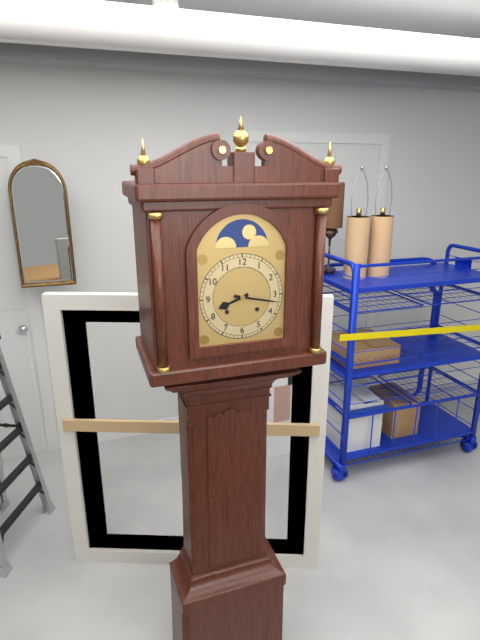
8:17
